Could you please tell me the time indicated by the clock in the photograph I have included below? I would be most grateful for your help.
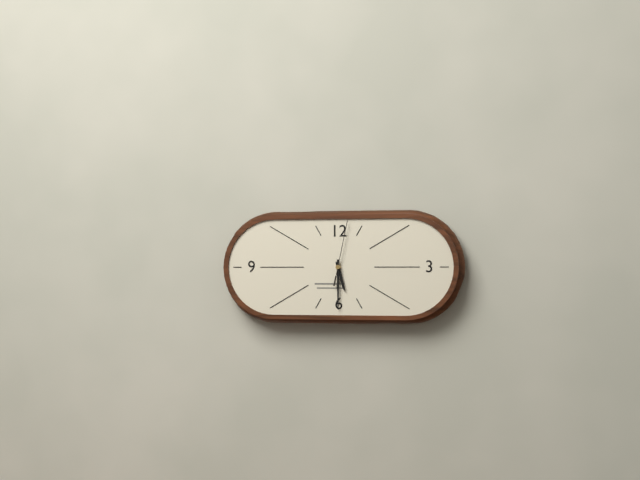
5:30:02
